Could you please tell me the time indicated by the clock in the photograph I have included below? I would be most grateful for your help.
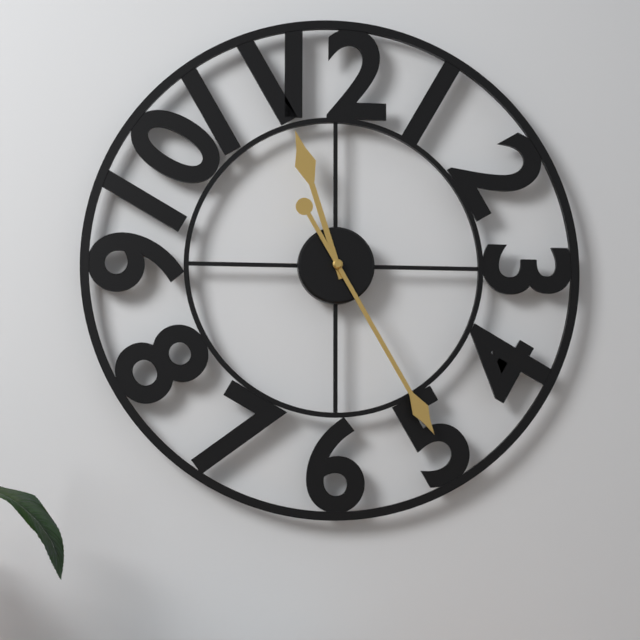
11:25
